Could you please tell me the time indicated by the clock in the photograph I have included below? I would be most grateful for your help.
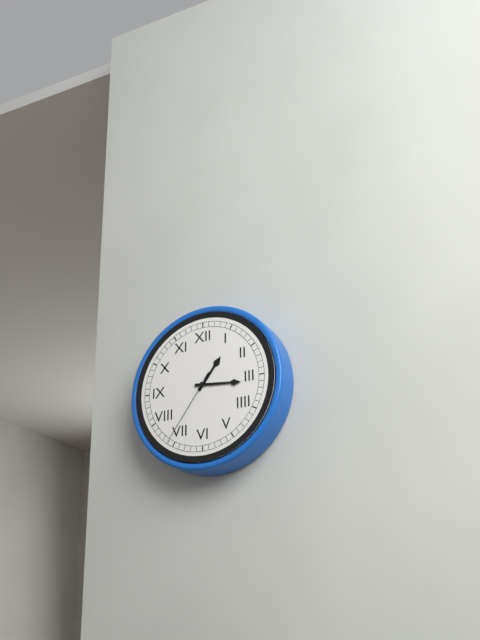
1:16:36
